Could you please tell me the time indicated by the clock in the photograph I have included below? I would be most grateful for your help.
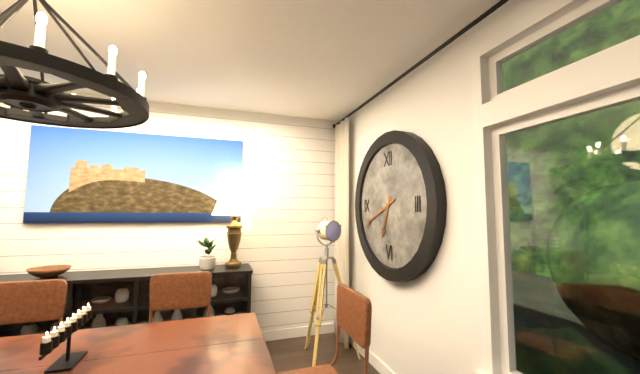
6:41
